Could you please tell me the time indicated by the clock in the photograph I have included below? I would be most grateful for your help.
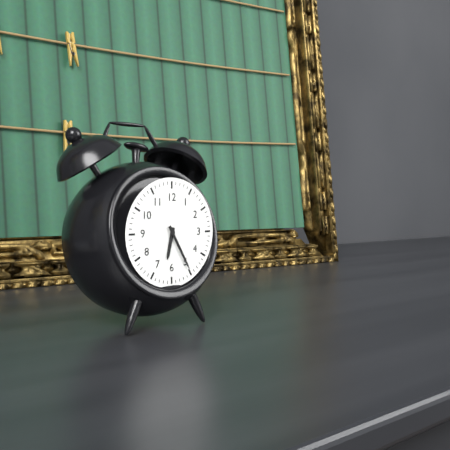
6:25
